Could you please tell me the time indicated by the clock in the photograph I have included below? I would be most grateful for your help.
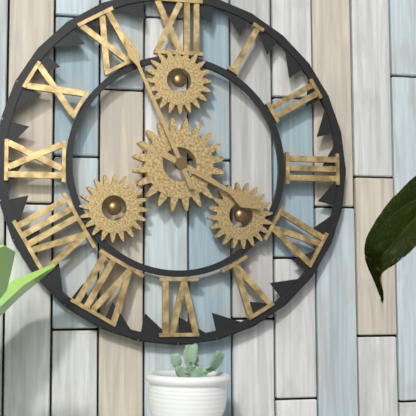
3:56
